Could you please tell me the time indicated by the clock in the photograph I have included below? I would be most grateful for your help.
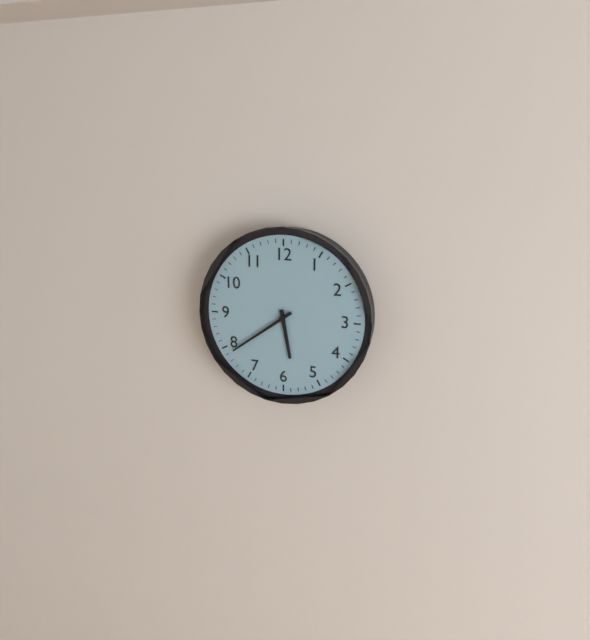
5:39
